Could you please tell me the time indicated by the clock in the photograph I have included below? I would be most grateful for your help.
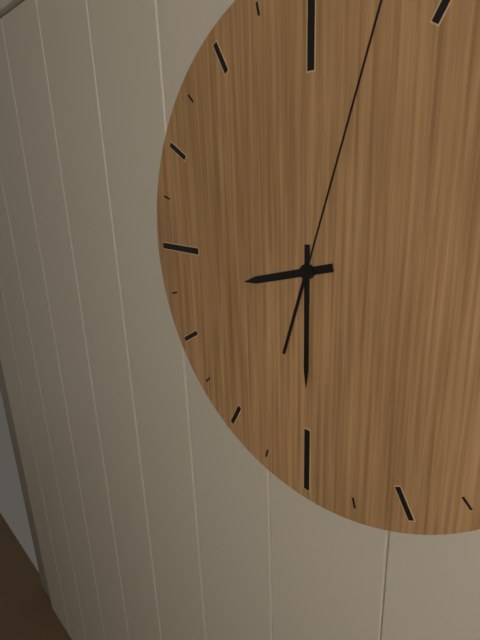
8:30
